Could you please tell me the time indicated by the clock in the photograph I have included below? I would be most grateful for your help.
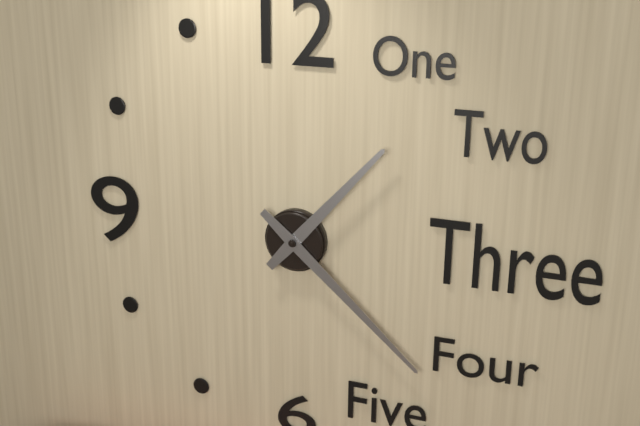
1:22
